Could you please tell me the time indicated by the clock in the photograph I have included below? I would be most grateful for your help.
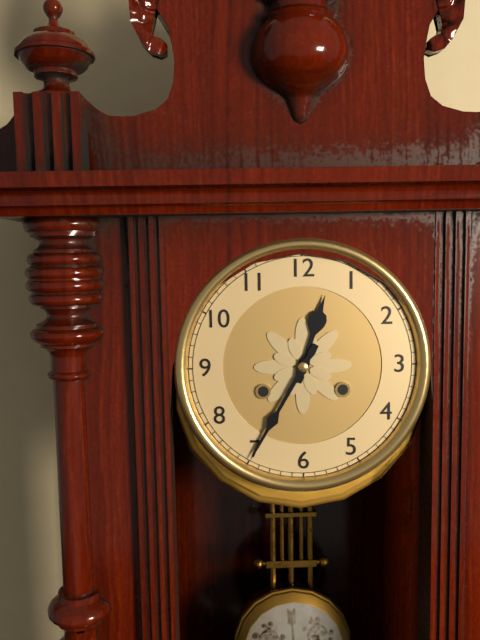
12:35
